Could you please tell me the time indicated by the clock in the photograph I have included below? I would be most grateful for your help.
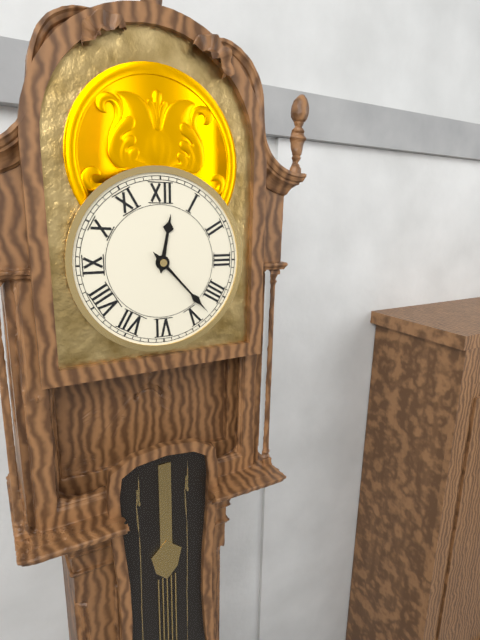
12:23
